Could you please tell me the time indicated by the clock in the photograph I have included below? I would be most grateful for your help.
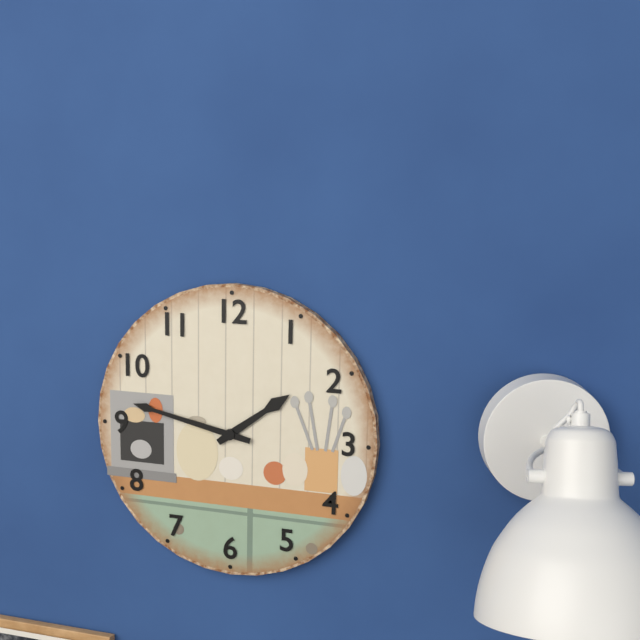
1:47
